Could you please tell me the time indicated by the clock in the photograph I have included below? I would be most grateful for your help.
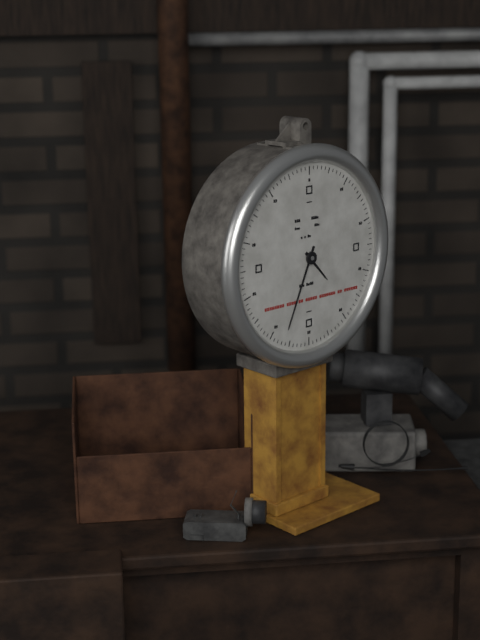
4:34
